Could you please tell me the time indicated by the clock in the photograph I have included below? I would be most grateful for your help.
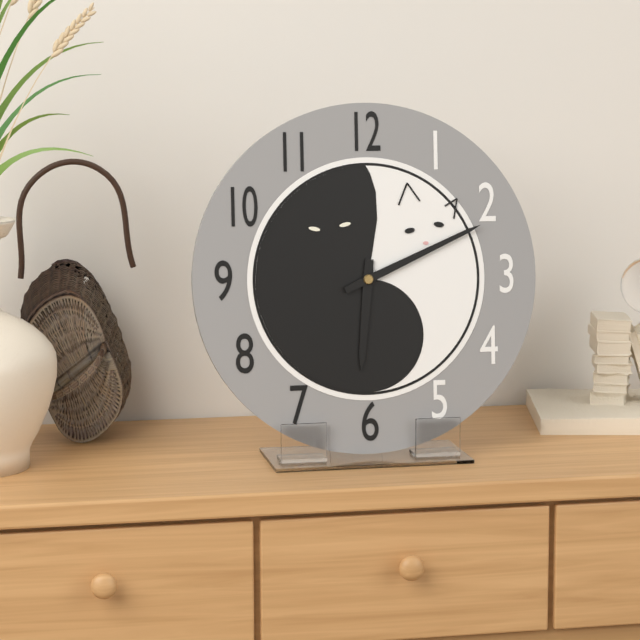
6:11
